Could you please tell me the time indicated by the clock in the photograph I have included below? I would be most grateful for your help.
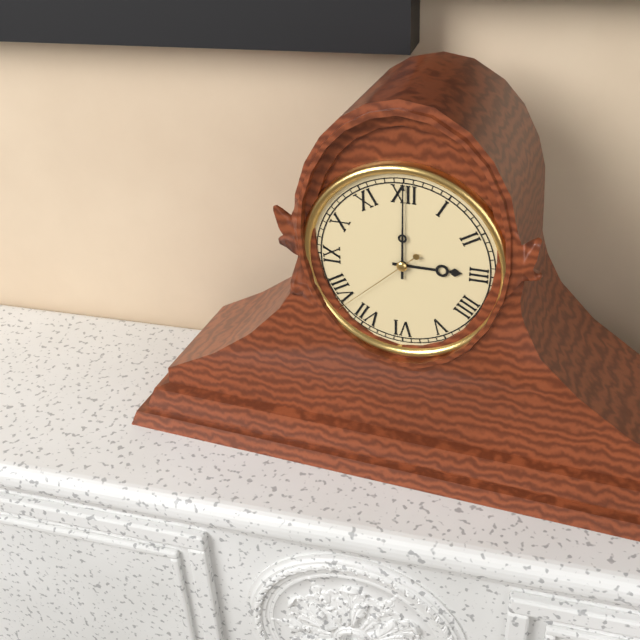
3:00:38
